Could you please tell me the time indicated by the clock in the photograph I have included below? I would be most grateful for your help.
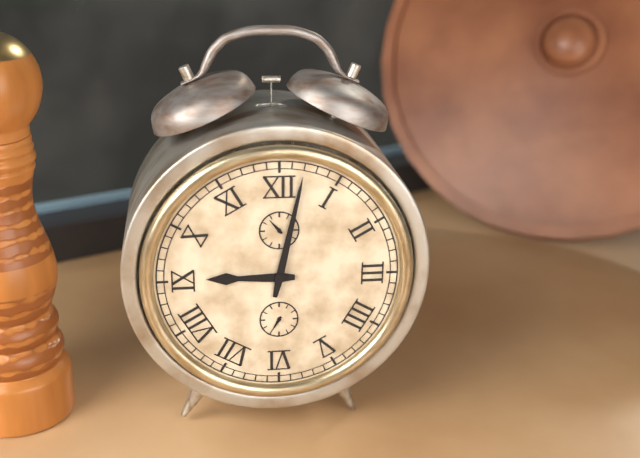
9:02
